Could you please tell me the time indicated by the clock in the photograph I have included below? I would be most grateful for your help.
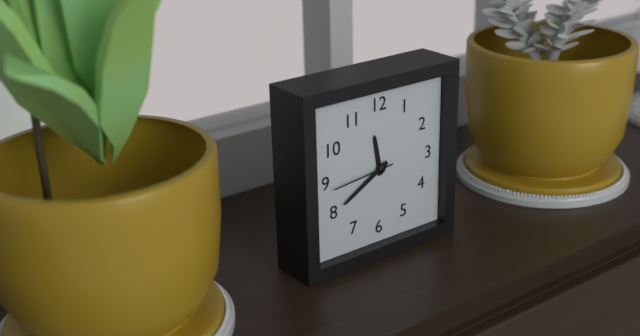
11:40:44
